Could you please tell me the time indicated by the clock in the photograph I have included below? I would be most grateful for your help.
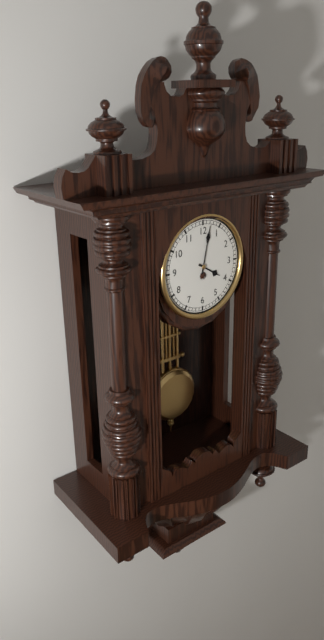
4:02
